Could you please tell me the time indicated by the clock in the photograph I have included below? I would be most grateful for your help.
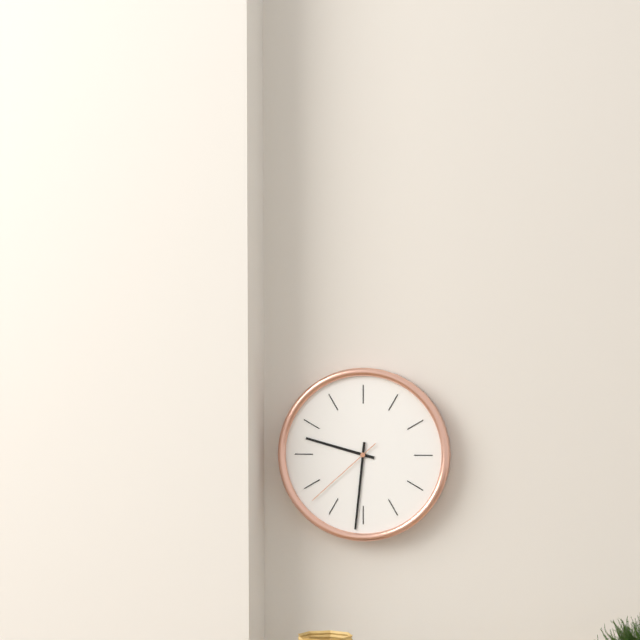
9:31:38
